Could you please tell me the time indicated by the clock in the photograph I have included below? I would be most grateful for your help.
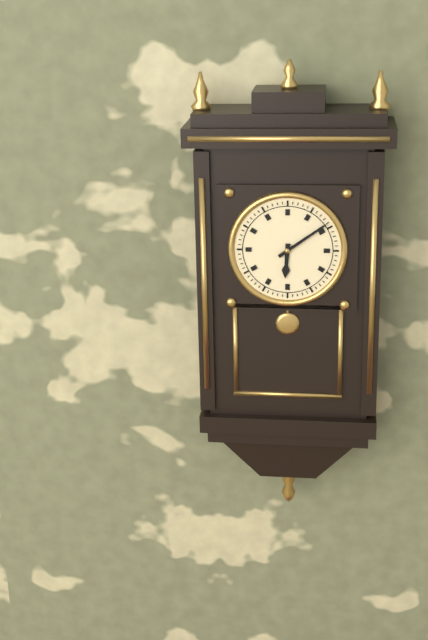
6:09
